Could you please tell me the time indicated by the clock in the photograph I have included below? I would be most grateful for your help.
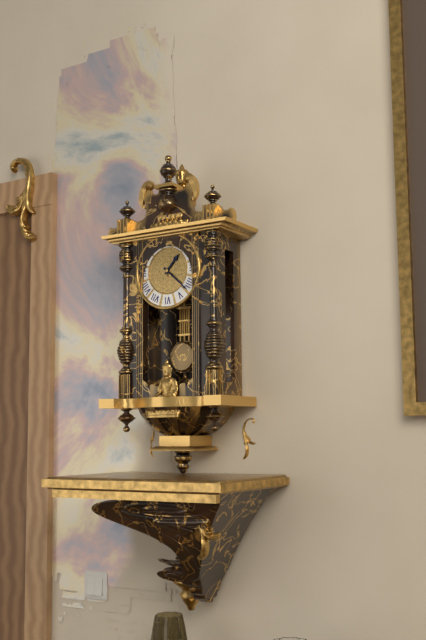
1:22
